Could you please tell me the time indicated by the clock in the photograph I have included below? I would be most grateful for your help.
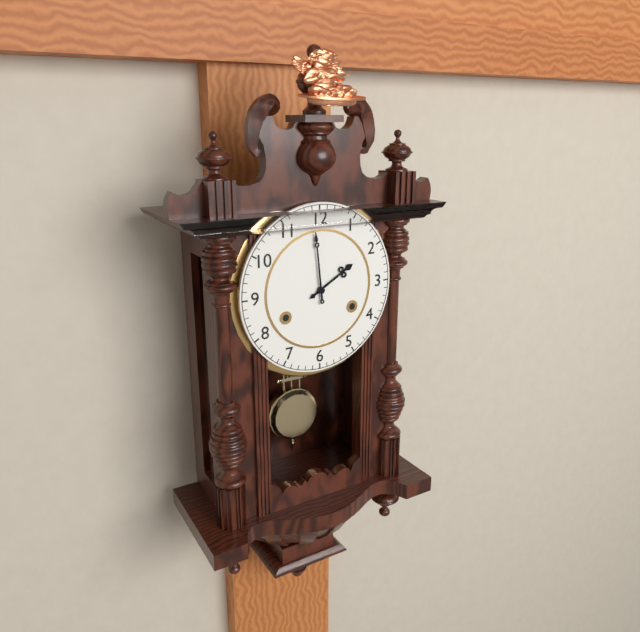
1:59
